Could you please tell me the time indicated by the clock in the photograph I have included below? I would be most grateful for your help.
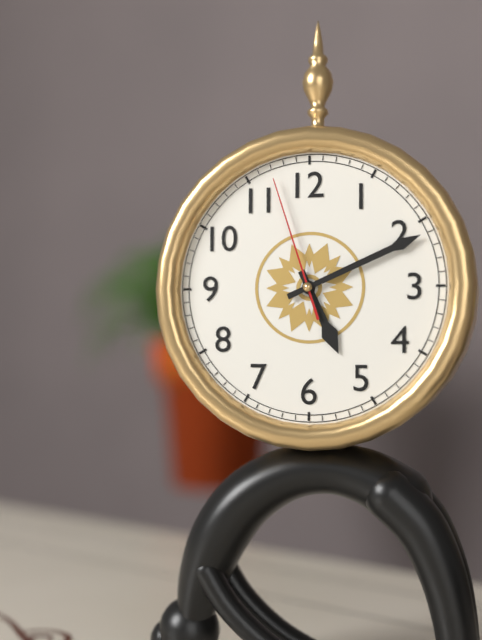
5:11:57
